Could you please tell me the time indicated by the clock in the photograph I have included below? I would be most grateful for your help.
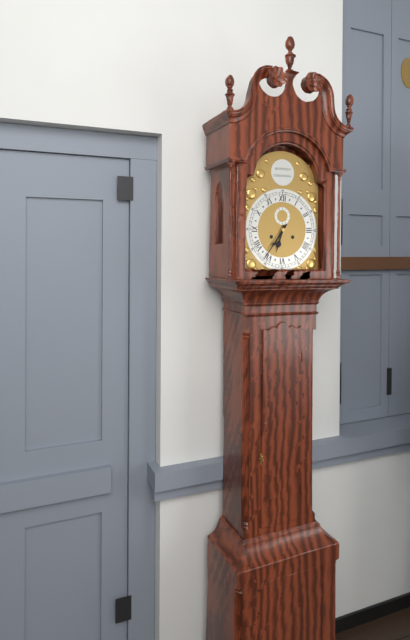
6:36
